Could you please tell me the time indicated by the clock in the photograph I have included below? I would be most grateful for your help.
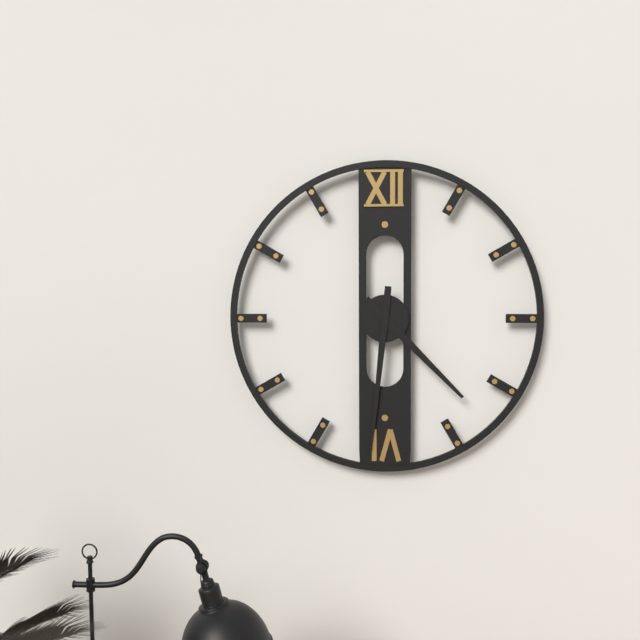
4:31
